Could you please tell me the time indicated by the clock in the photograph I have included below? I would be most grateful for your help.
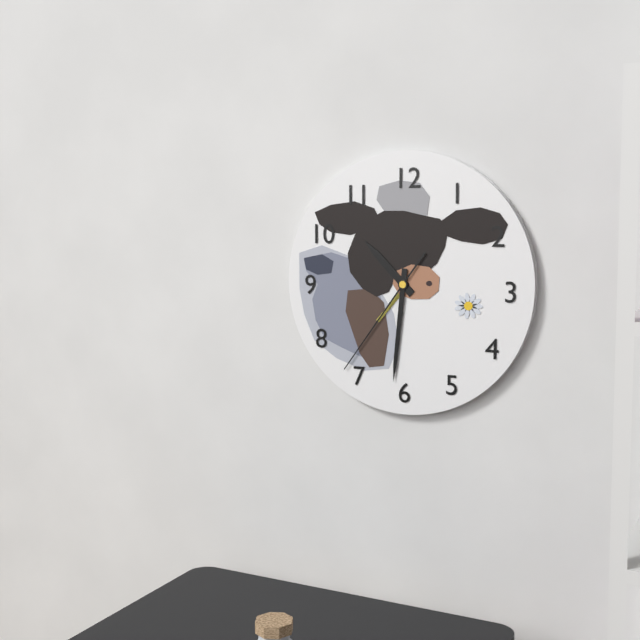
10:31:36
